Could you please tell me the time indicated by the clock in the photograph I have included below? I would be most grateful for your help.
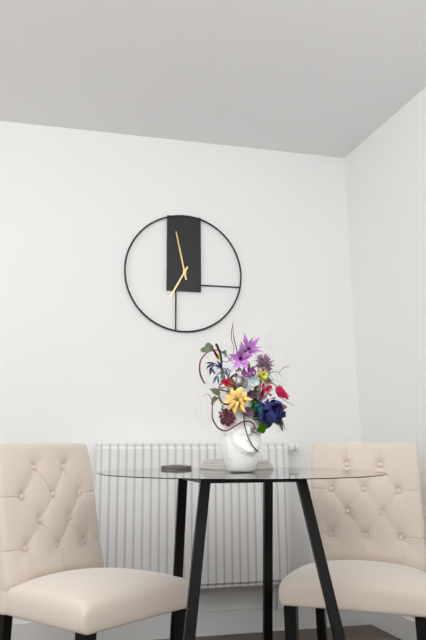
6:58
